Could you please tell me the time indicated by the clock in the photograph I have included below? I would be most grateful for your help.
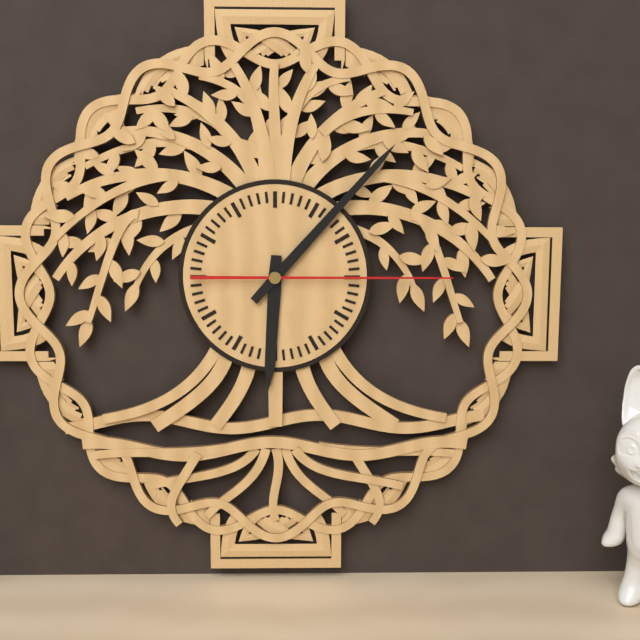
6:07:15
